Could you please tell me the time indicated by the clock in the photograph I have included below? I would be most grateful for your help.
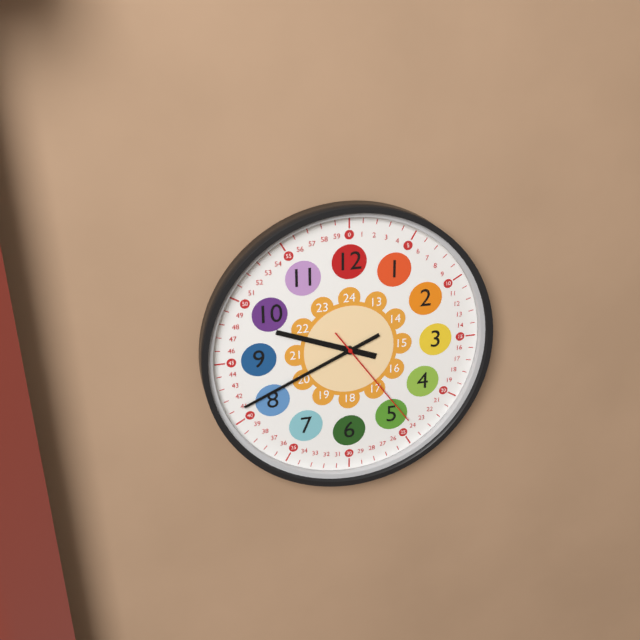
9:41:24
